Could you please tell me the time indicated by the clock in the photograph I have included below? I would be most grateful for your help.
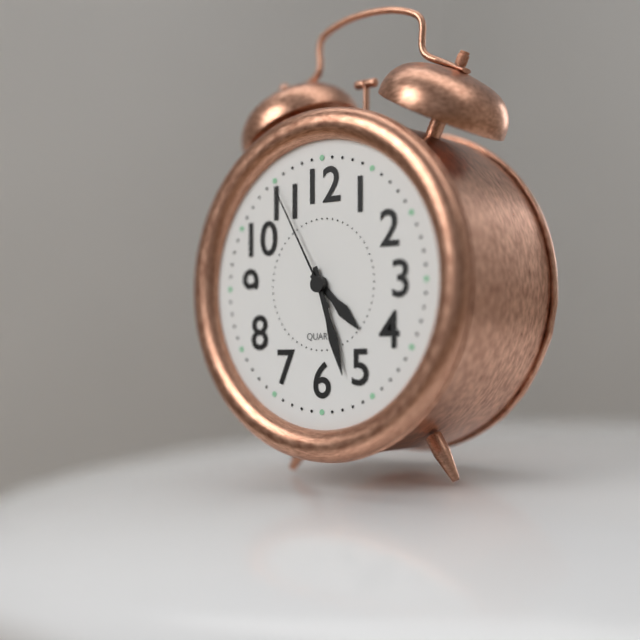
4:27:55
